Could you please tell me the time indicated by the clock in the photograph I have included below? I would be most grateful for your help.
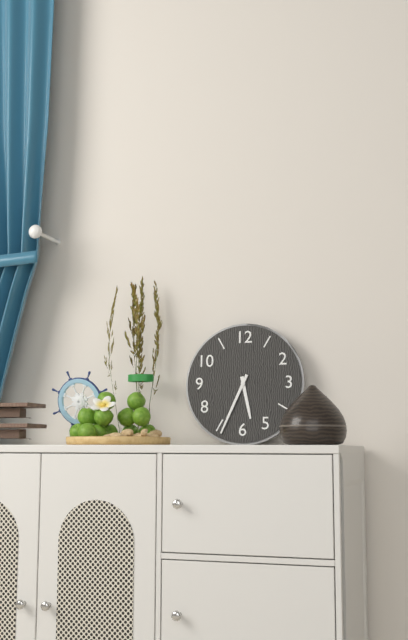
5:34
